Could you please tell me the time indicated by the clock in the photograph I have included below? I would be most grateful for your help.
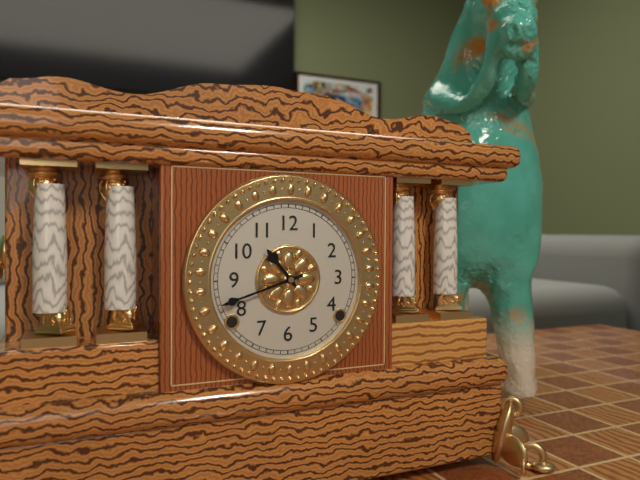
10:42
